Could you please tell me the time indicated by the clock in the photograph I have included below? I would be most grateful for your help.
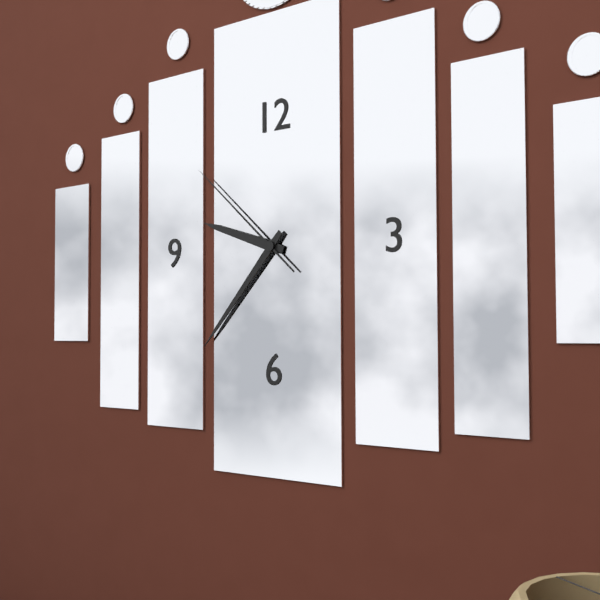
9:37:52
